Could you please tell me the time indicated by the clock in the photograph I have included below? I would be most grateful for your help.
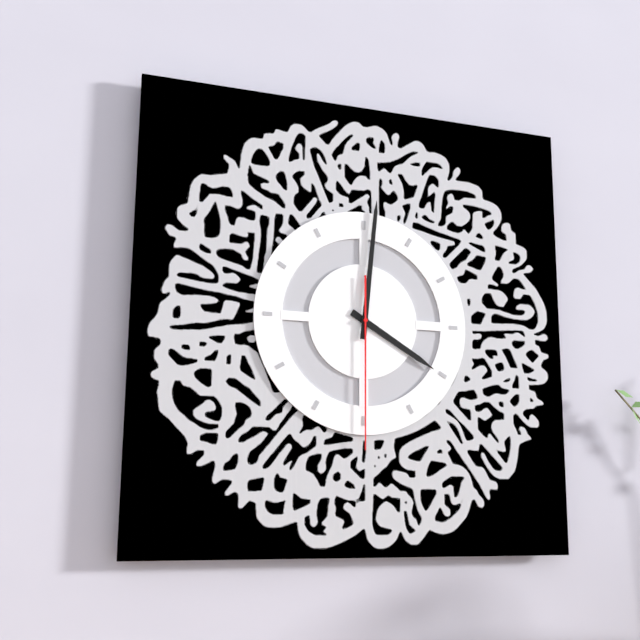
4:01:30
